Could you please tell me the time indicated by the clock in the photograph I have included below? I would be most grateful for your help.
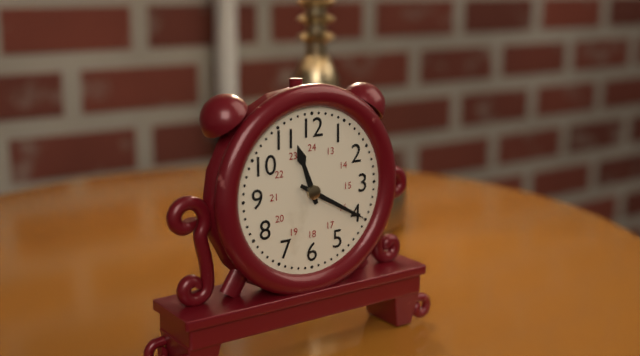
11:20
